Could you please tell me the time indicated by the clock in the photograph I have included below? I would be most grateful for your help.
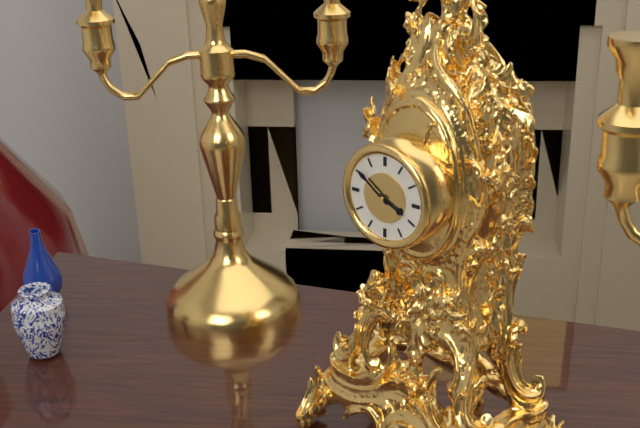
3:51
